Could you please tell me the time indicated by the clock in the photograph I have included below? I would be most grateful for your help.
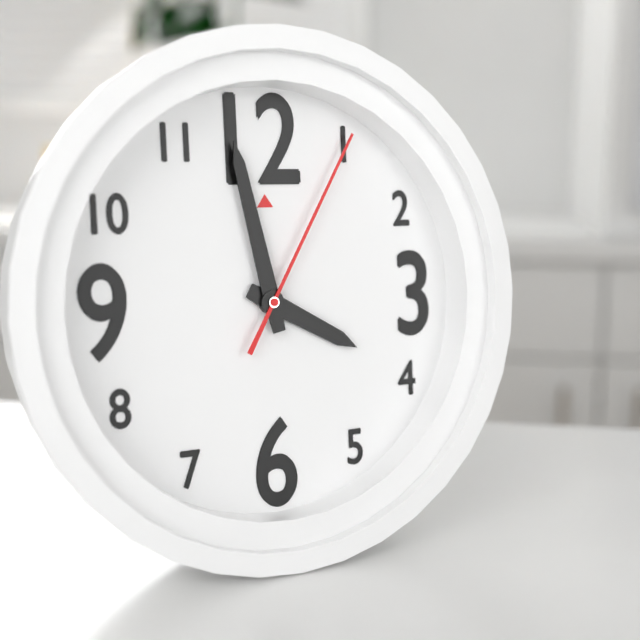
3:58:05
